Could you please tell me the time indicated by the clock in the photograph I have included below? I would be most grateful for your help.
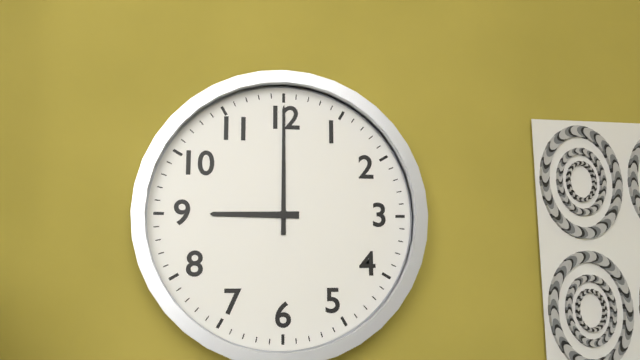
9:00
